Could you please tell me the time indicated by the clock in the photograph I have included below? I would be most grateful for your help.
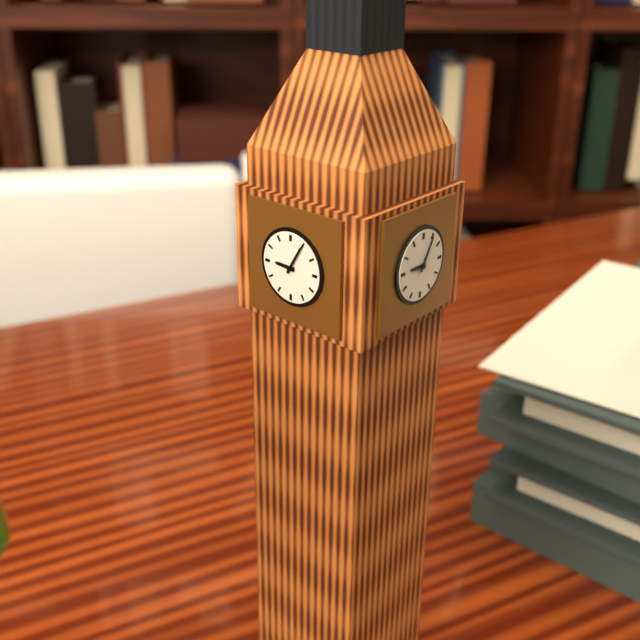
9:05
